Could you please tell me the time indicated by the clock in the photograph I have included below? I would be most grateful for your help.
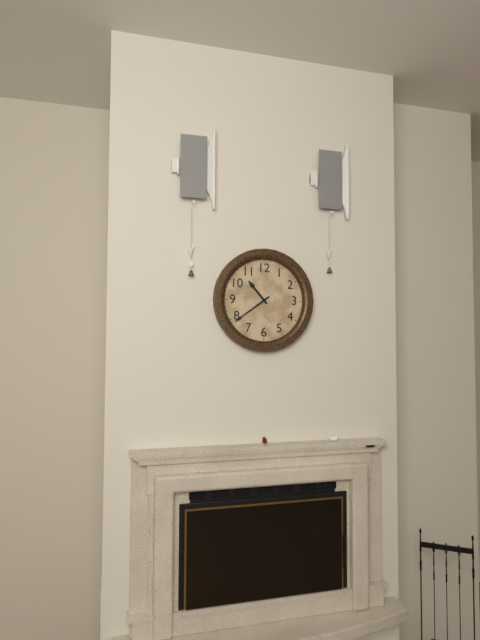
10:39
